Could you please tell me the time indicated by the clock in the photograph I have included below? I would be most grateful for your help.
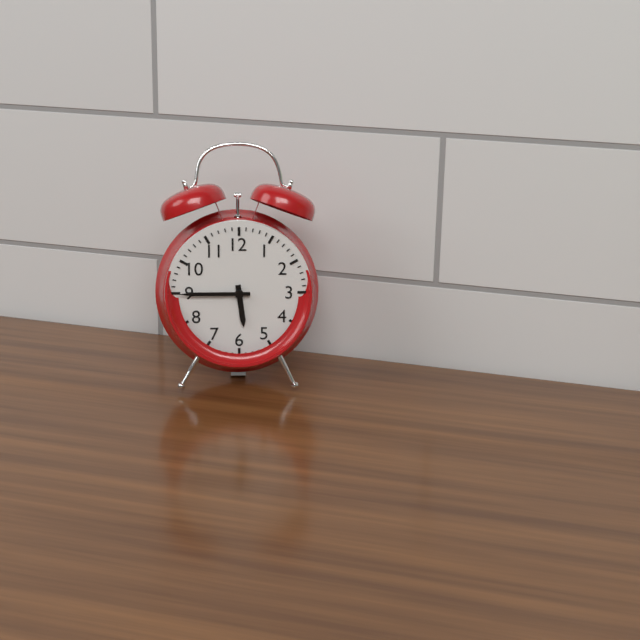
5:45
